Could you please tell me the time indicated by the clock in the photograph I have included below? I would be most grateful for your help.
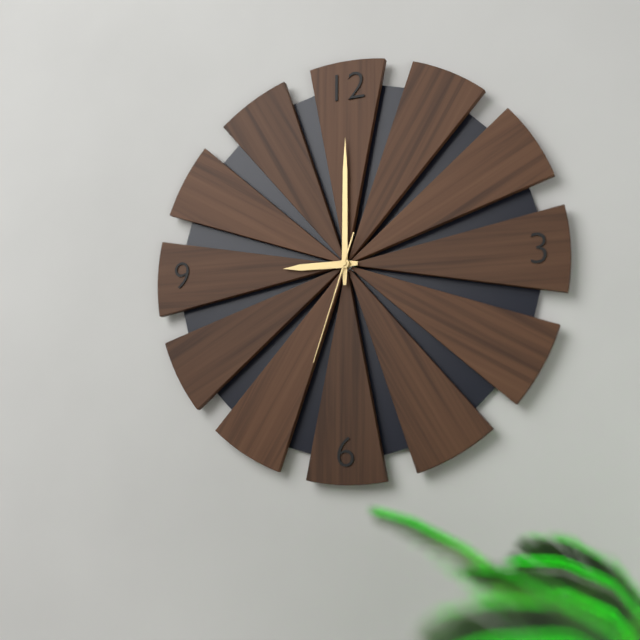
9:00:33
